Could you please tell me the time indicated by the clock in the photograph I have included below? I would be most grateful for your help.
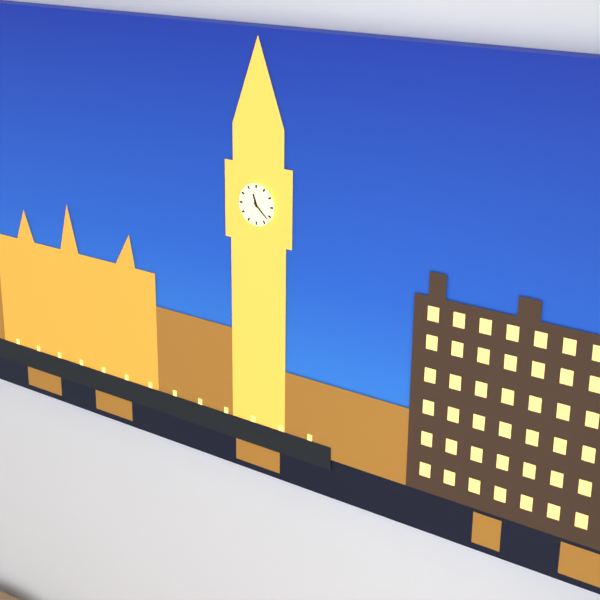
11:22
